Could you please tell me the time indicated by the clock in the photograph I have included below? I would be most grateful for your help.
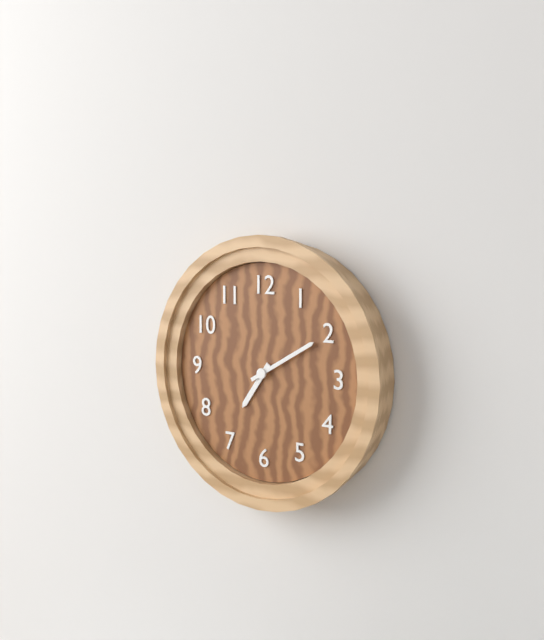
7:10
